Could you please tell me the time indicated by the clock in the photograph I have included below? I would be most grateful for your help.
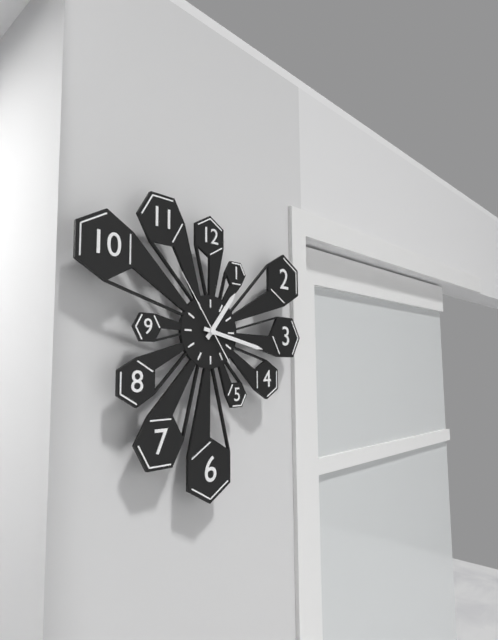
1:17:54
